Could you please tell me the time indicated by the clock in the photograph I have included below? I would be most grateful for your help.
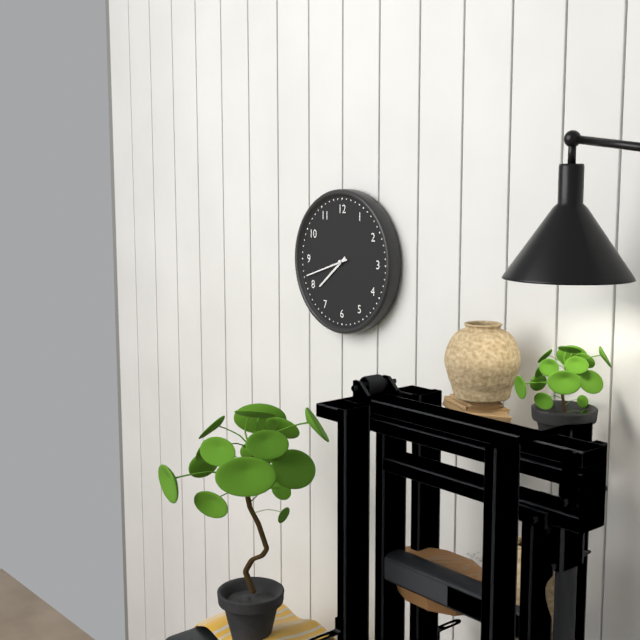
7:42
